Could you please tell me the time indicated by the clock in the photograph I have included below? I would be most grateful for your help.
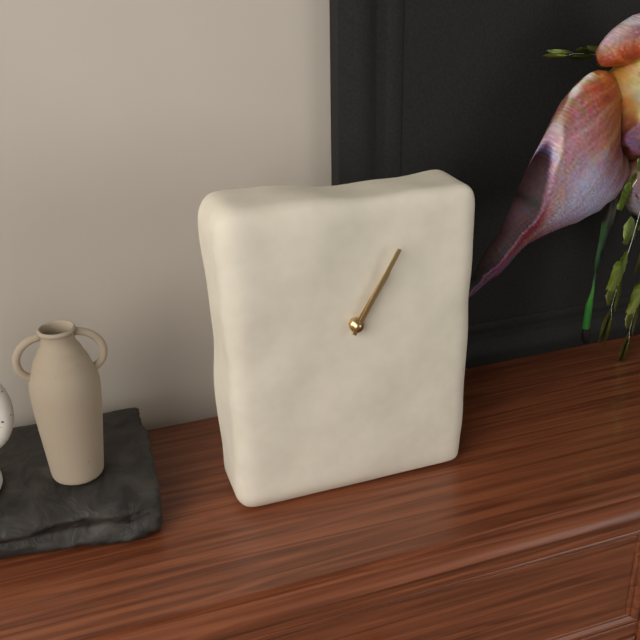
1:05
